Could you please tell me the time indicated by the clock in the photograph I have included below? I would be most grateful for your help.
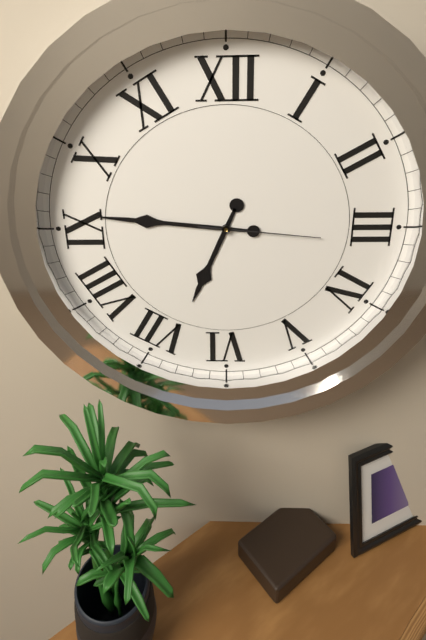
6:46:16
